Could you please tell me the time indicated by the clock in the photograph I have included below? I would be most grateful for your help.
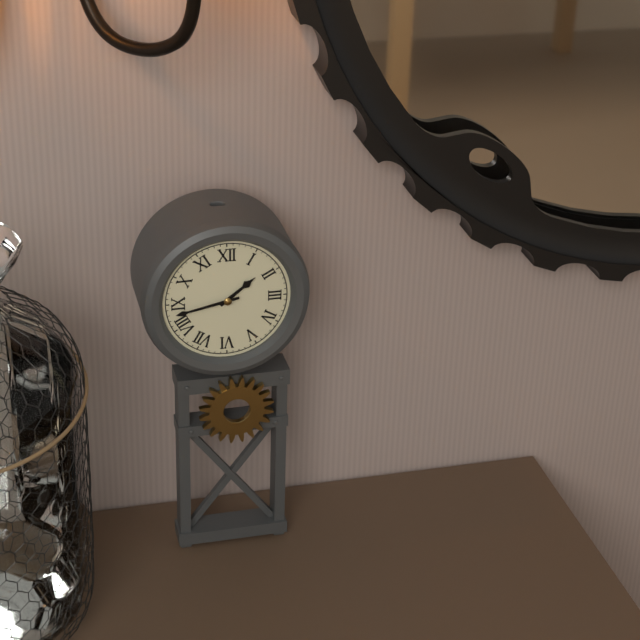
1:43
